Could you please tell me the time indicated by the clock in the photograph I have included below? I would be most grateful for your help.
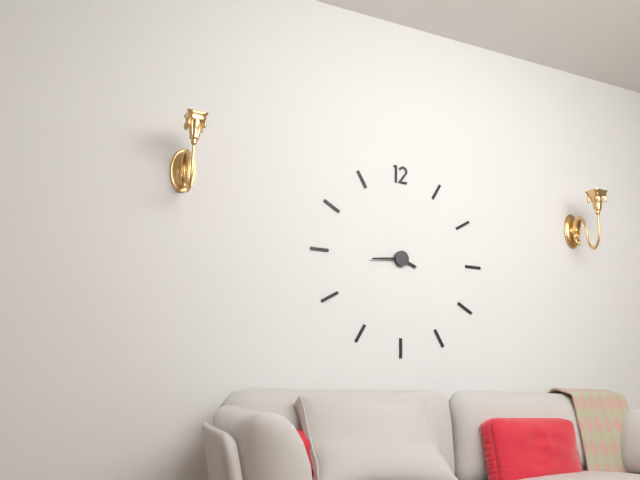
3:44
